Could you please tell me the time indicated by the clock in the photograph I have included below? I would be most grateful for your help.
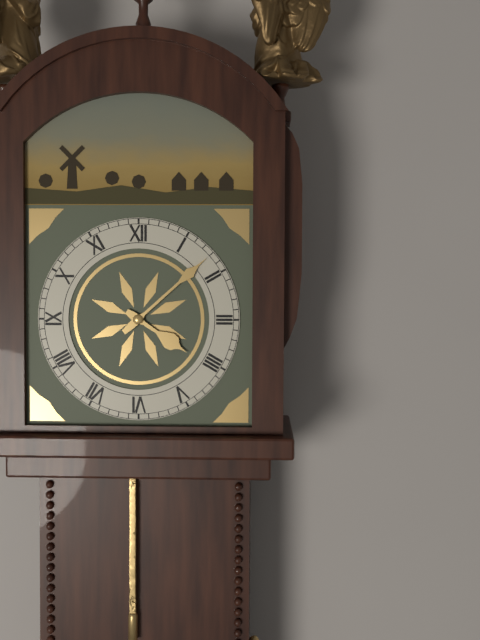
4:08
